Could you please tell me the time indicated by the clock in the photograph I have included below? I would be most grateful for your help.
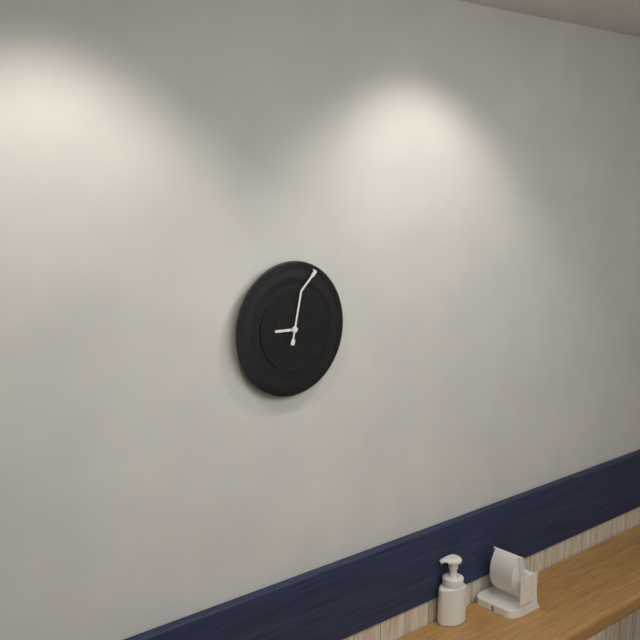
9:02
